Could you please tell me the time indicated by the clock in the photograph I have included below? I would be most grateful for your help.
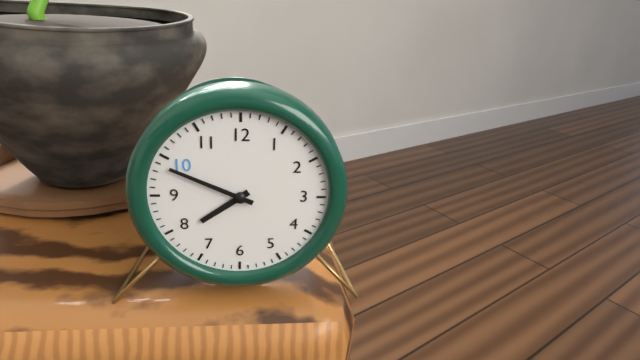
7:49
